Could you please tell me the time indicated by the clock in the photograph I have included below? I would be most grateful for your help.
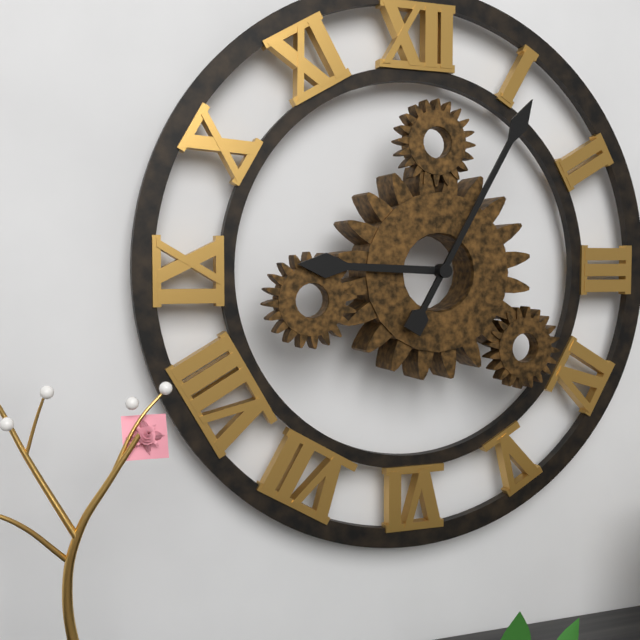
9:05
